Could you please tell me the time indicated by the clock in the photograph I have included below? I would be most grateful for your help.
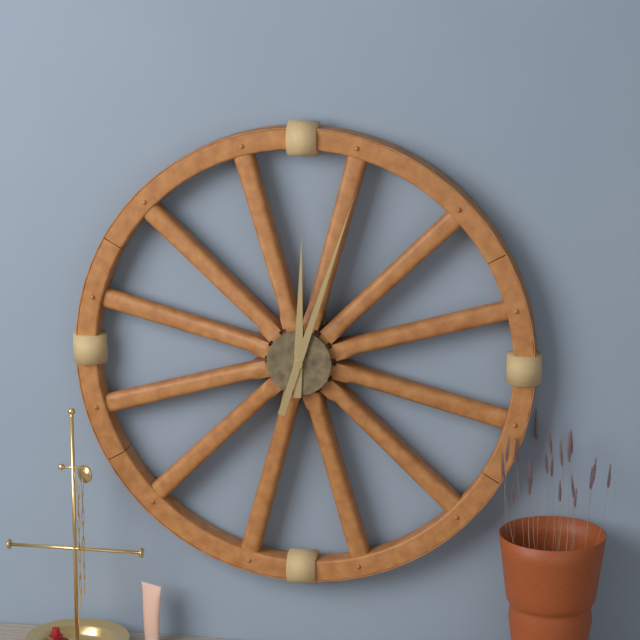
12:03
